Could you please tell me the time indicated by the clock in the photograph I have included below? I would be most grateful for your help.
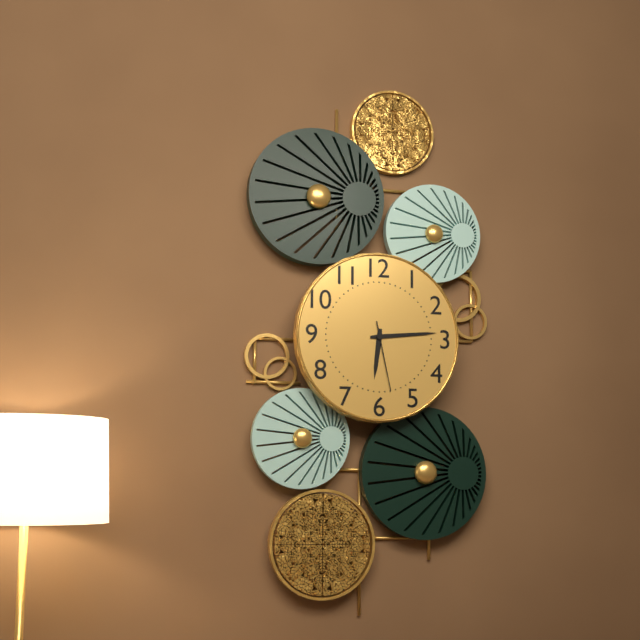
6:14:28
